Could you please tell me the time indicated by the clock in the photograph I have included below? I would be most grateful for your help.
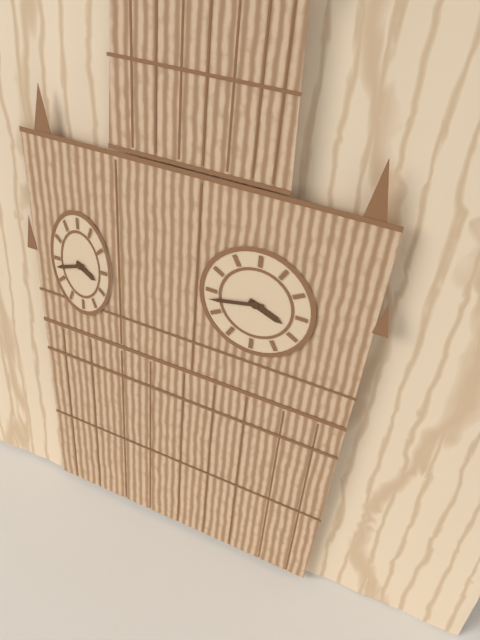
3:43
